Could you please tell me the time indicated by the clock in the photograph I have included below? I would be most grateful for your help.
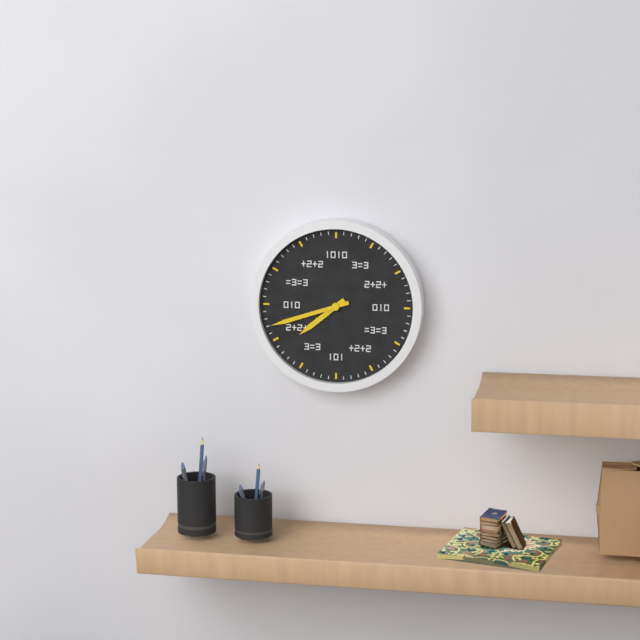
7:42
